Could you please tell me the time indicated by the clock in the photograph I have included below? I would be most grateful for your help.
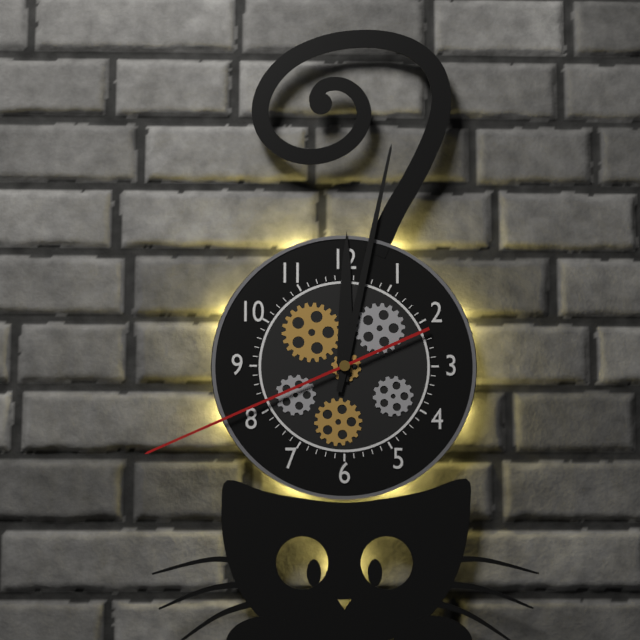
12:02:41
